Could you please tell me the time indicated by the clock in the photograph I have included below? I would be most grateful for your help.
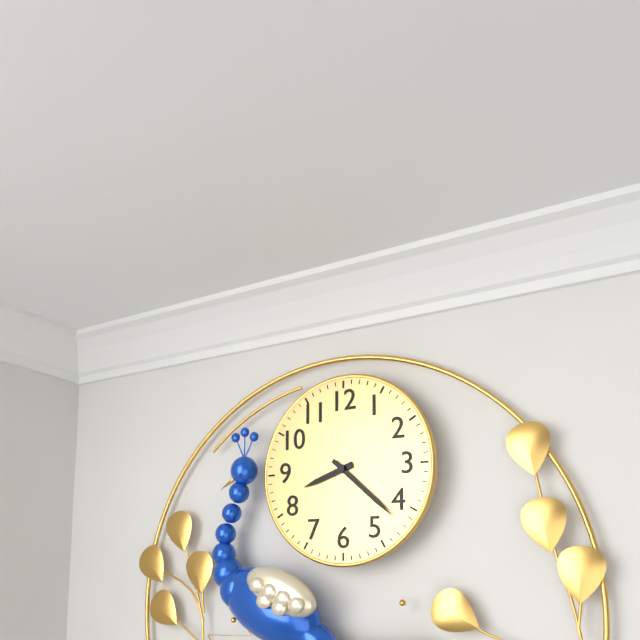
8:22
